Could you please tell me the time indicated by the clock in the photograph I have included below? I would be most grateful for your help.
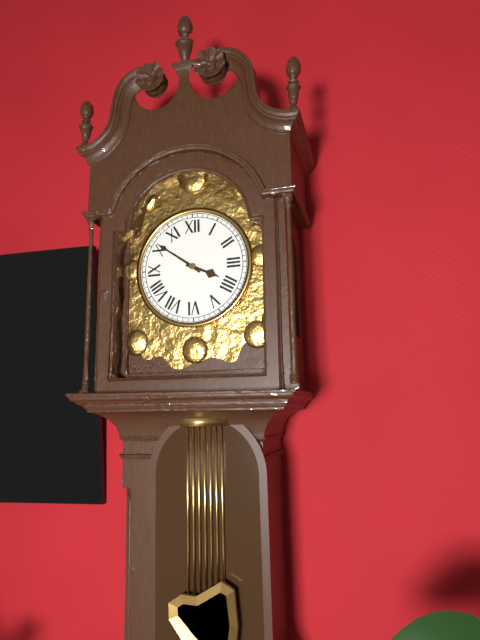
3:51
